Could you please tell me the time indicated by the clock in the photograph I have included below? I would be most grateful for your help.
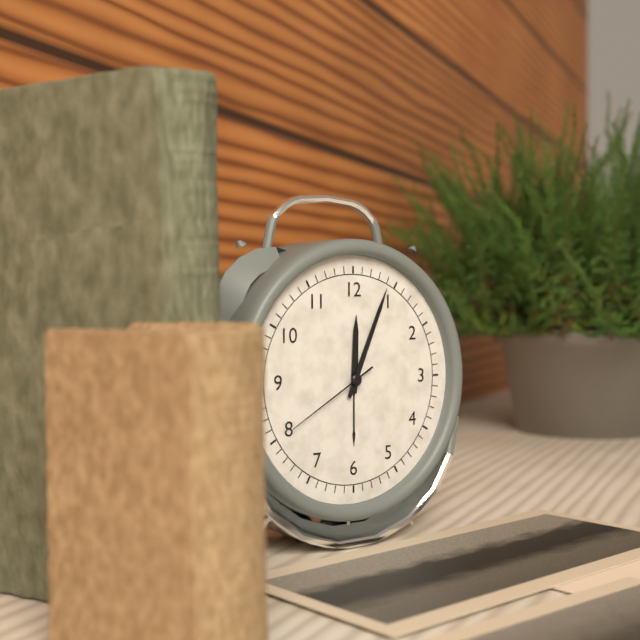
12:04:40
